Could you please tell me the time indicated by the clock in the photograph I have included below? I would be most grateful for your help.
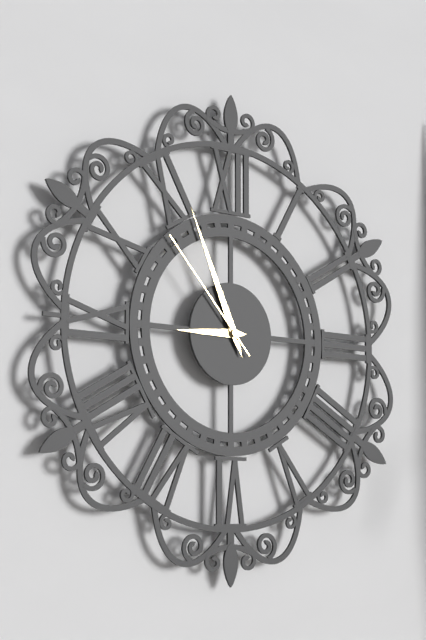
8:56:53
